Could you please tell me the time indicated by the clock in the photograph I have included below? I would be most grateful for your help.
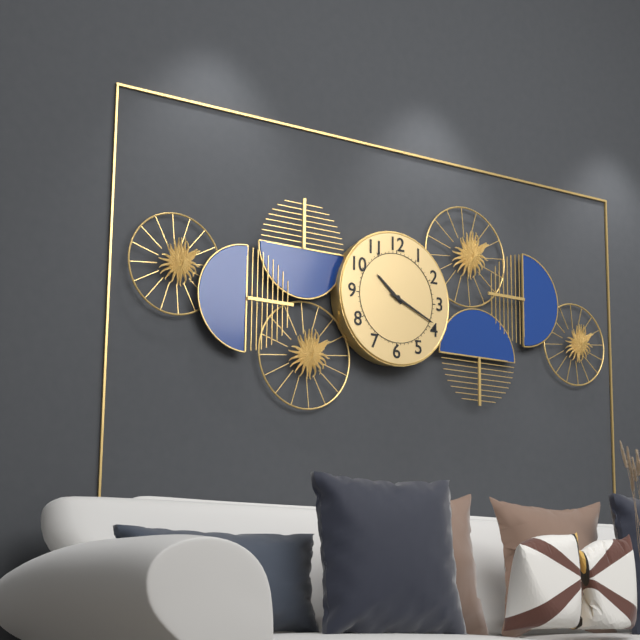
10:19
